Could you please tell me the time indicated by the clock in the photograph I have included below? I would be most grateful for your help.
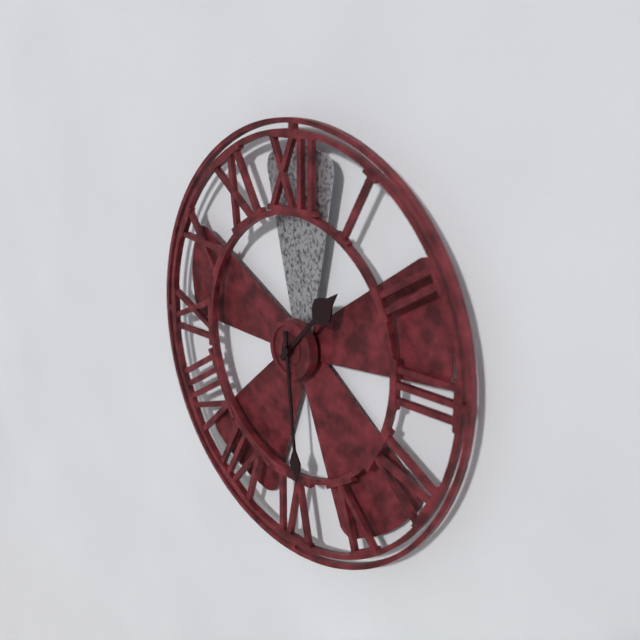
1:29
